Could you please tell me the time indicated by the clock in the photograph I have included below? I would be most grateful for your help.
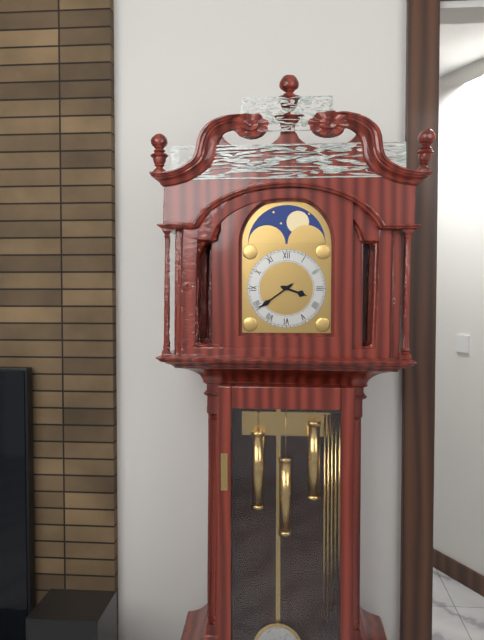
3:39
